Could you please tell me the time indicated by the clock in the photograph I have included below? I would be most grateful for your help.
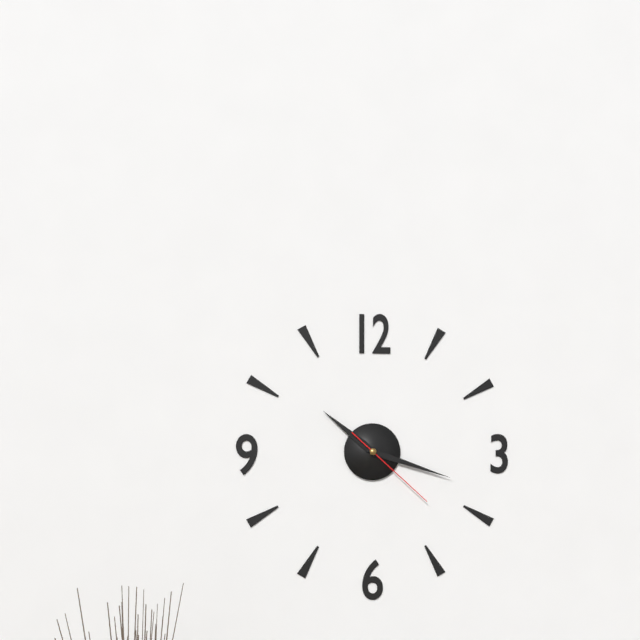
10:18:22
